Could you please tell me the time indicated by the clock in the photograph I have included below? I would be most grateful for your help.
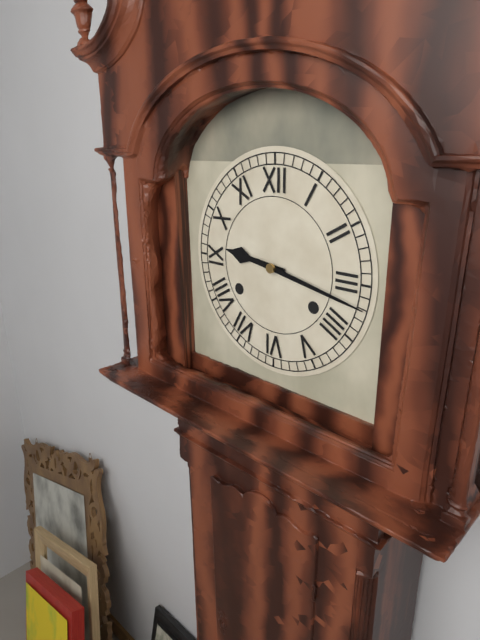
9:17
